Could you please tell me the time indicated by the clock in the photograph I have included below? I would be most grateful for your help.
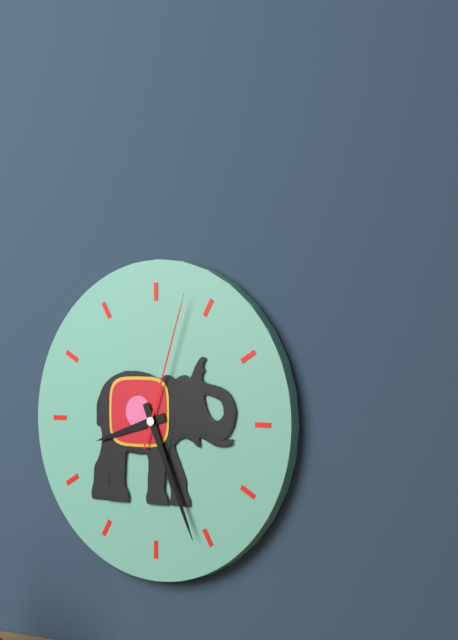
8:26:03
